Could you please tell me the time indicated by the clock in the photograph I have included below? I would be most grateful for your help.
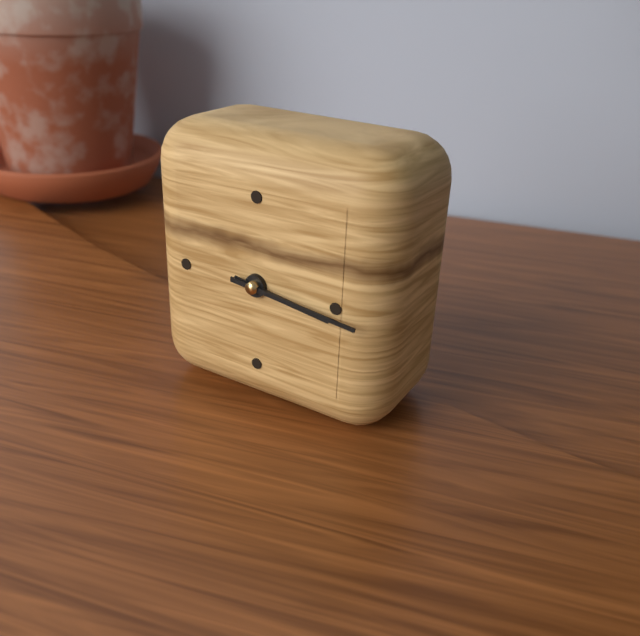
3:16
